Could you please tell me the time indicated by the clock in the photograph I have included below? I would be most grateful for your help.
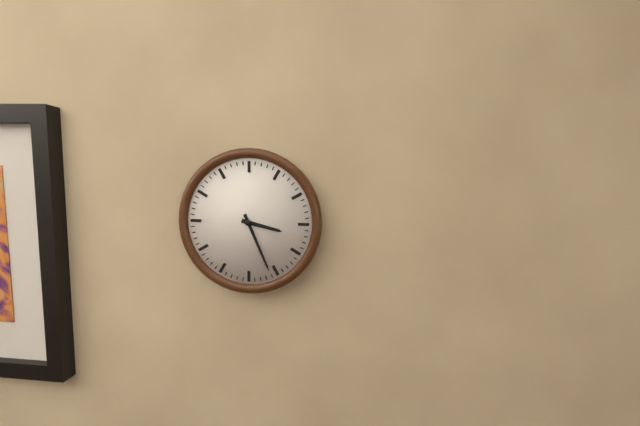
3:26
